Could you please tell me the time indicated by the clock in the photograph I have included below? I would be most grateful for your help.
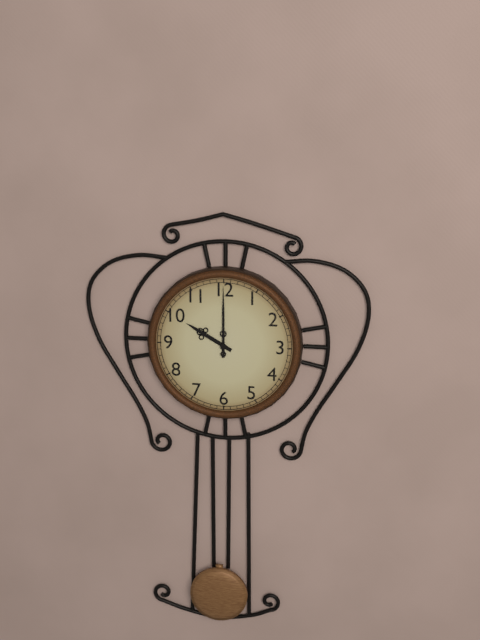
10:00
